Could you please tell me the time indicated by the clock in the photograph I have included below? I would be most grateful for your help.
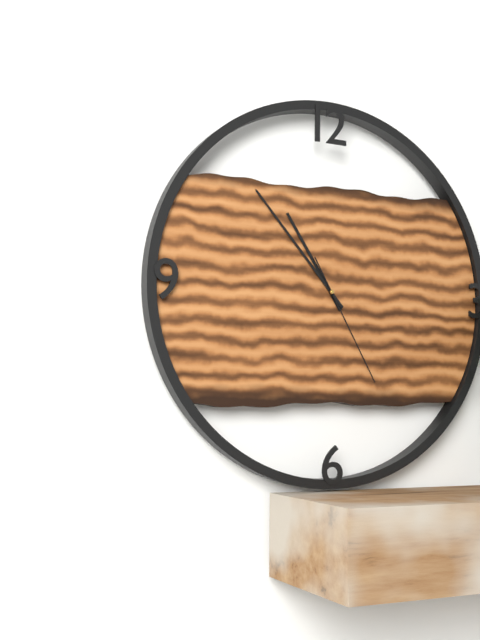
10:53:25
